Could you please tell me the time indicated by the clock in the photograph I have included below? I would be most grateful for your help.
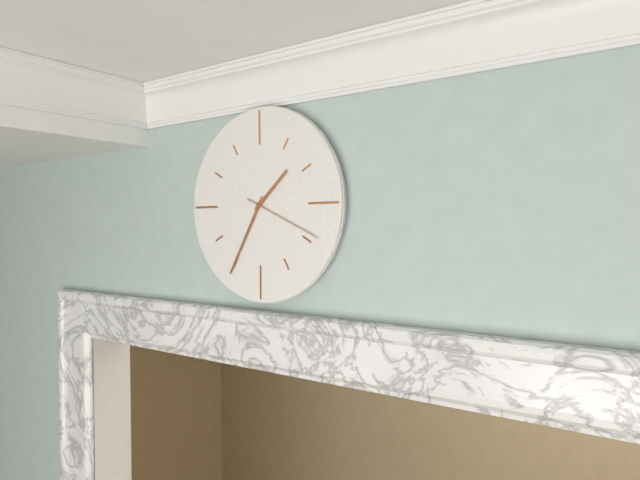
1:35:19
